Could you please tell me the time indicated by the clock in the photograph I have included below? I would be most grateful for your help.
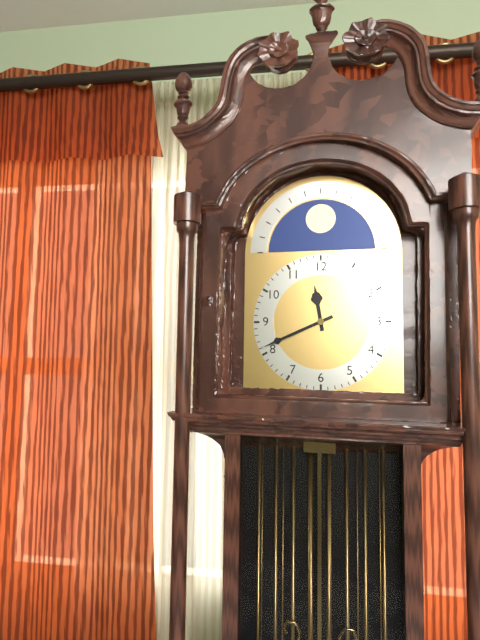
11:41
